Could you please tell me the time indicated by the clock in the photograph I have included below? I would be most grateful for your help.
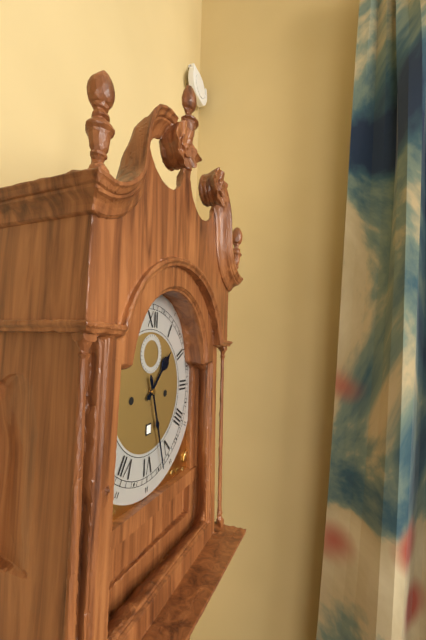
1:27
